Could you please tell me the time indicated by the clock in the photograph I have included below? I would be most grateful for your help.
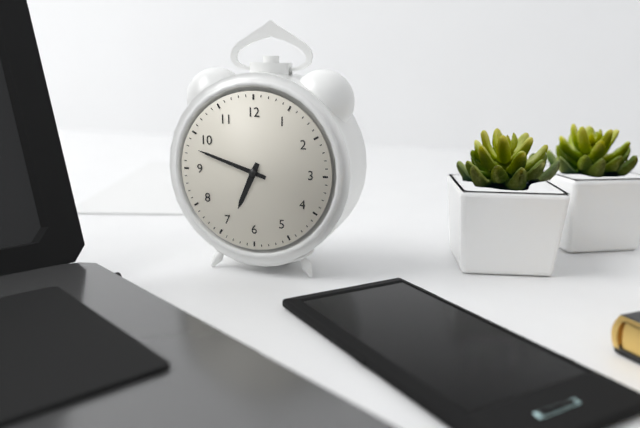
6:48
